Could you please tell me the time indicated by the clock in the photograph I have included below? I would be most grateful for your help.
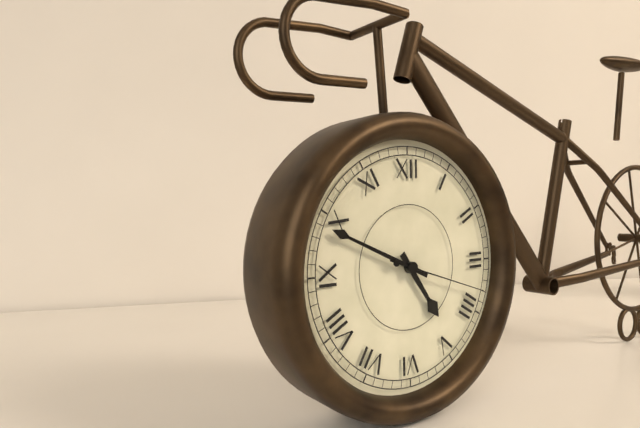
4:49:18
